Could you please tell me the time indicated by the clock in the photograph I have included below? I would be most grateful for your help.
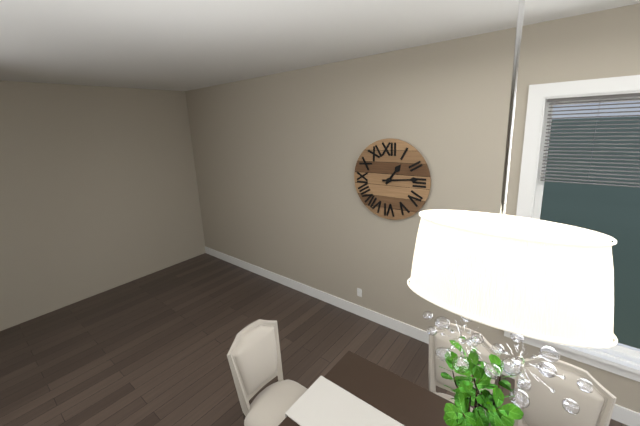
1:14
